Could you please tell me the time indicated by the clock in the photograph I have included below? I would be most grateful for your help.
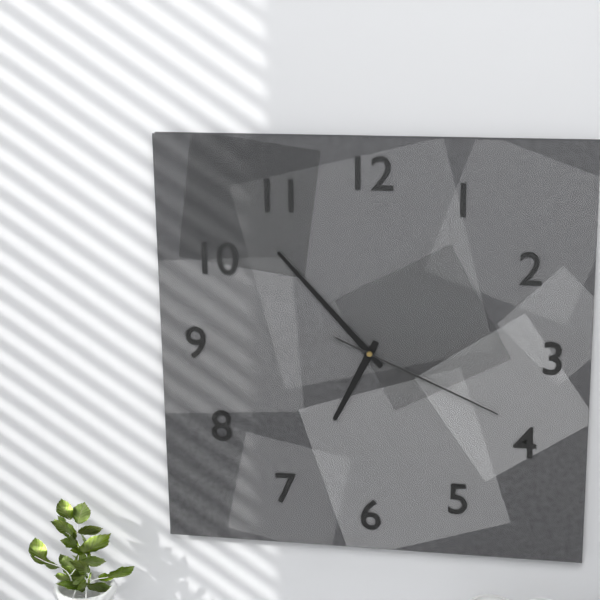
6:53:19
